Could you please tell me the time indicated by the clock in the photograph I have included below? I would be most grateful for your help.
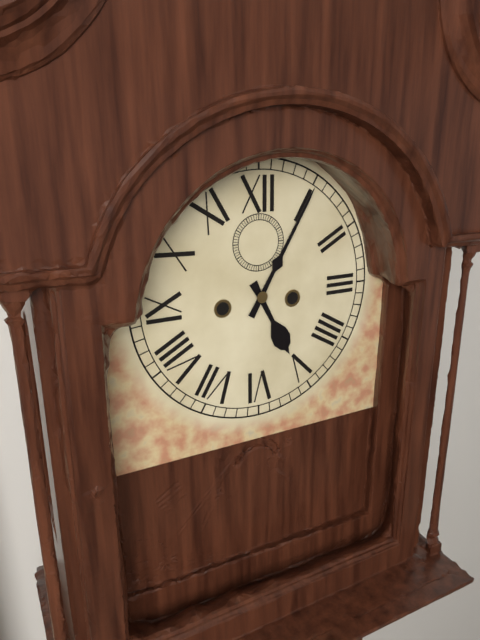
5:05
